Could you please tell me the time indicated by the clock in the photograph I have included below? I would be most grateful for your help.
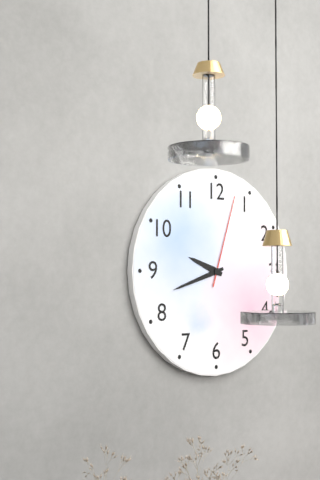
9:42:03
